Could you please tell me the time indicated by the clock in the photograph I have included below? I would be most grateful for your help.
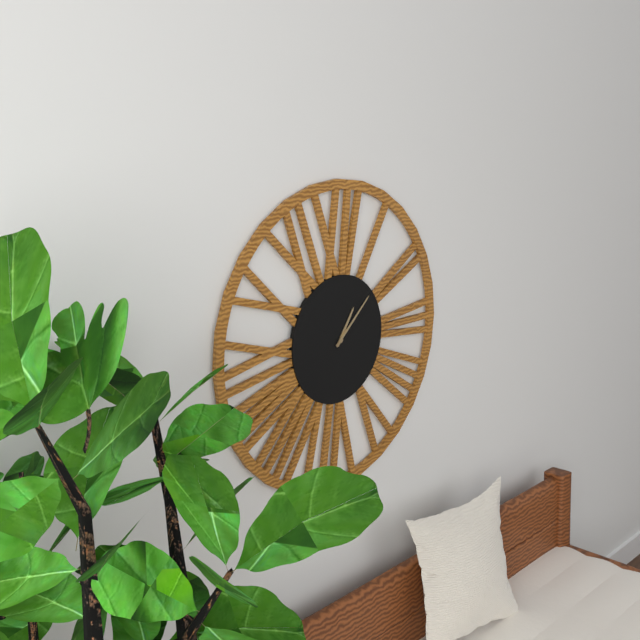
1:08
